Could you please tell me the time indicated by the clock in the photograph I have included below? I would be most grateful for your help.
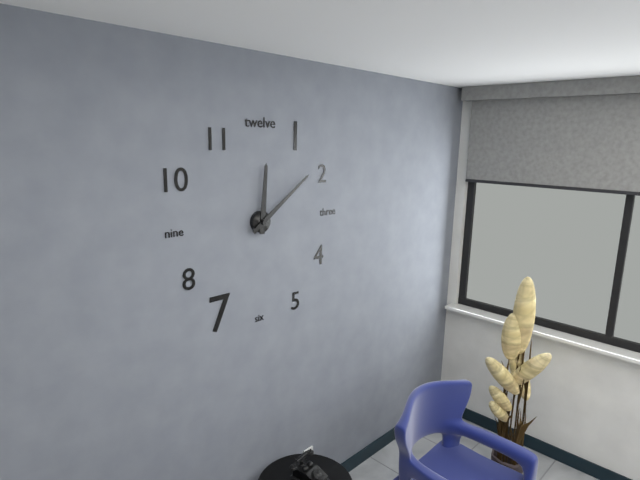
12:09
